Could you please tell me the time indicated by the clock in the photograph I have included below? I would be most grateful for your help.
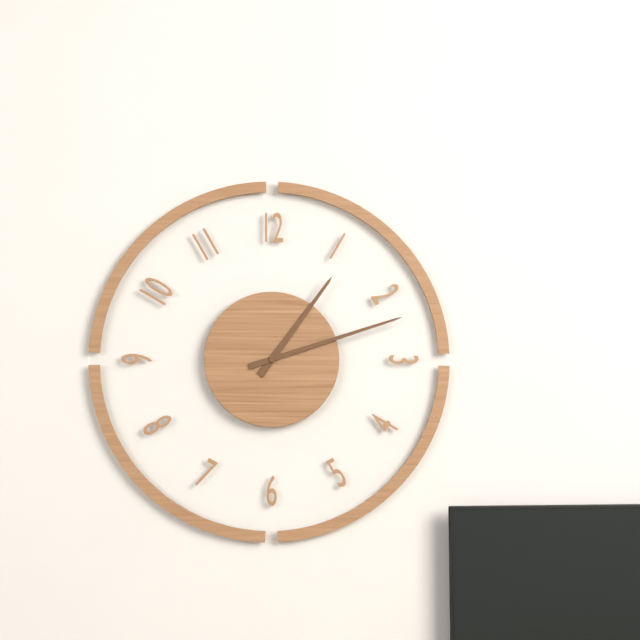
1:12
